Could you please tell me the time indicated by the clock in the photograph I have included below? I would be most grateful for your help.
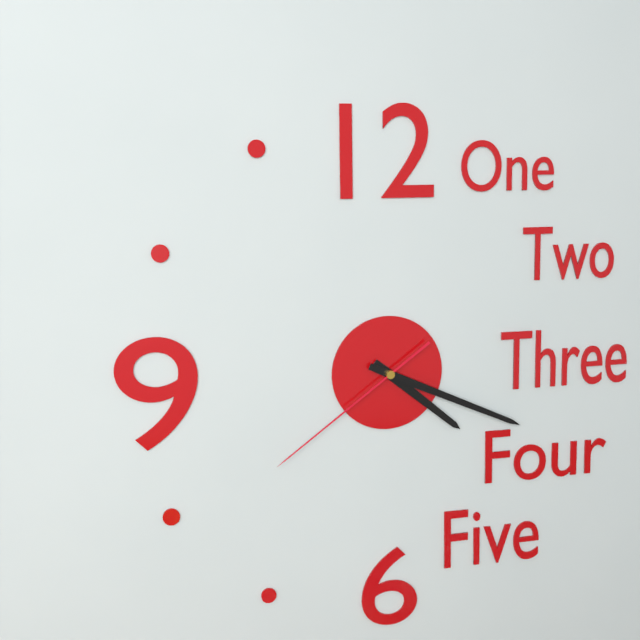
4:19:39
